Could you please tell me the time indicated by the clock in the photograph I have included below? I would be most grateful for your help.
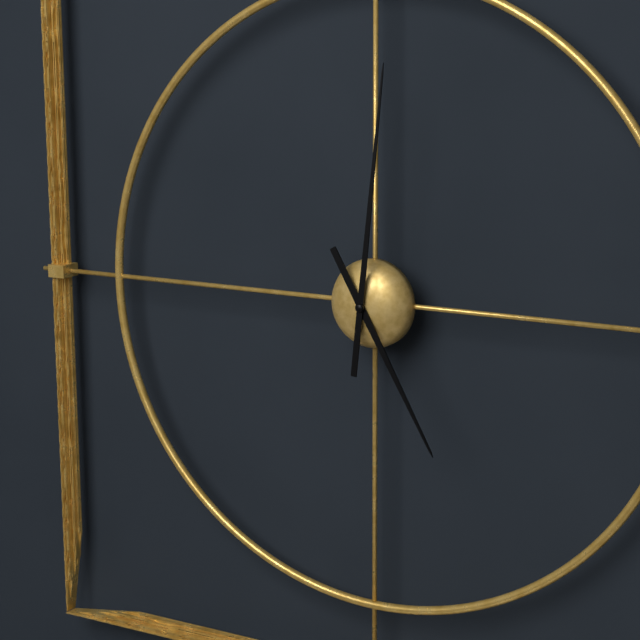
5:01
